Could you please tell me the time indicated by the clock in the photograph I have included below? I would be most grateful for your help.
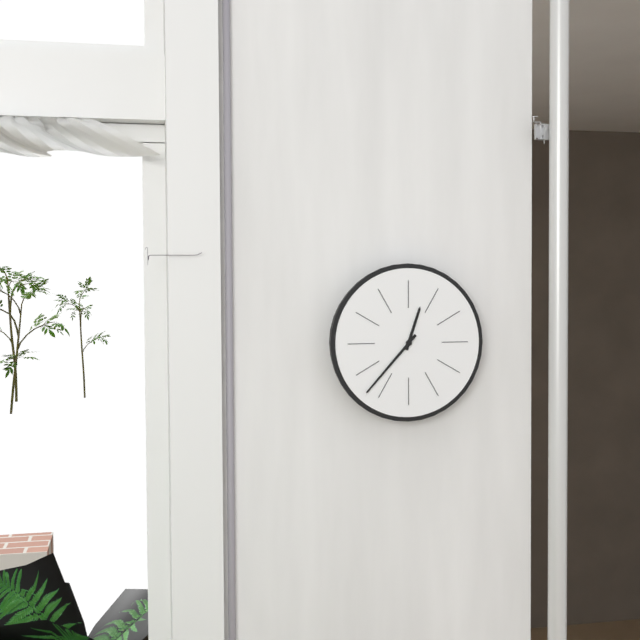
12:37
